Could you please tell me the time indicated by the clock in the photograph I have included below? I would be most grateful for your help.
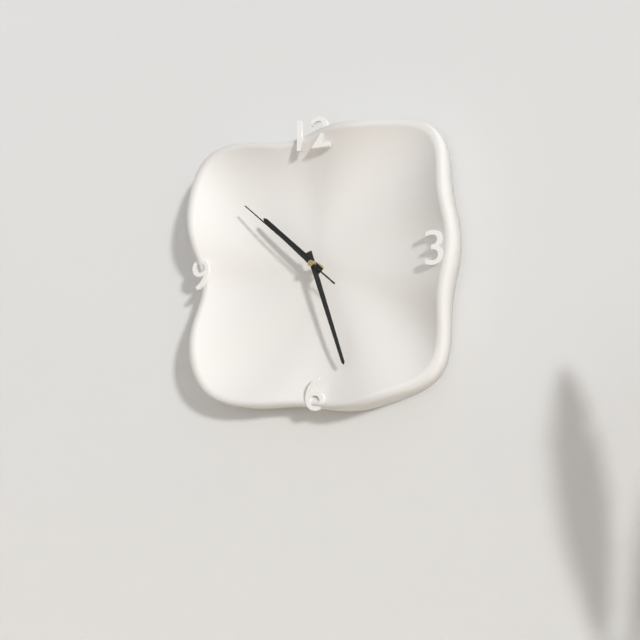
10:27:52
